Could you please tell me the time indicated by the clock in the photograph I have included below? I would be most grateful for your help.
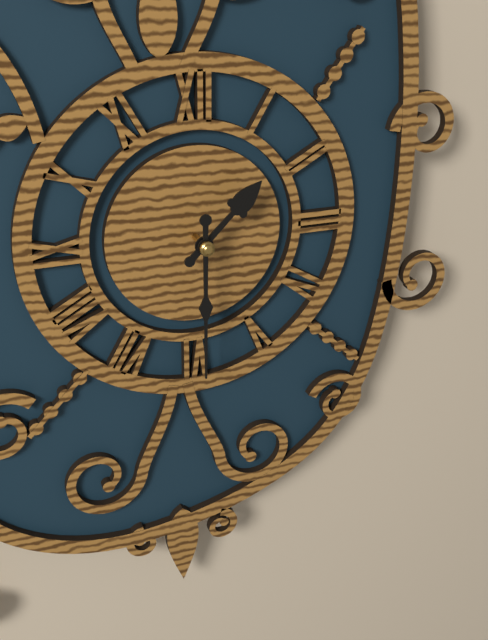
1:30
